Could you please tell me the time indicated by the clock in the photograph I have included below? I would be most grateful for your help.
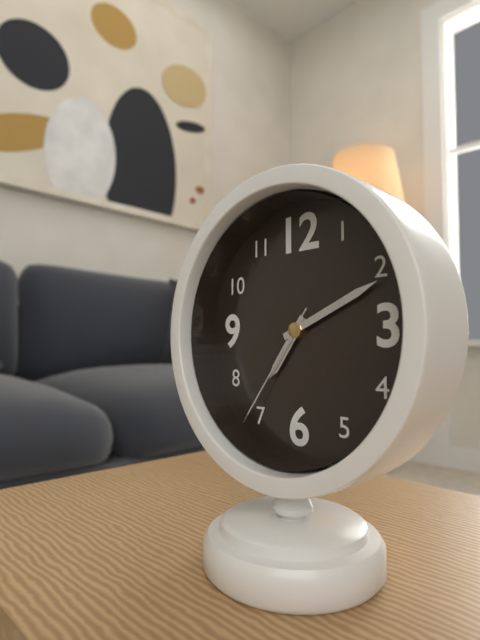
7:11:36
